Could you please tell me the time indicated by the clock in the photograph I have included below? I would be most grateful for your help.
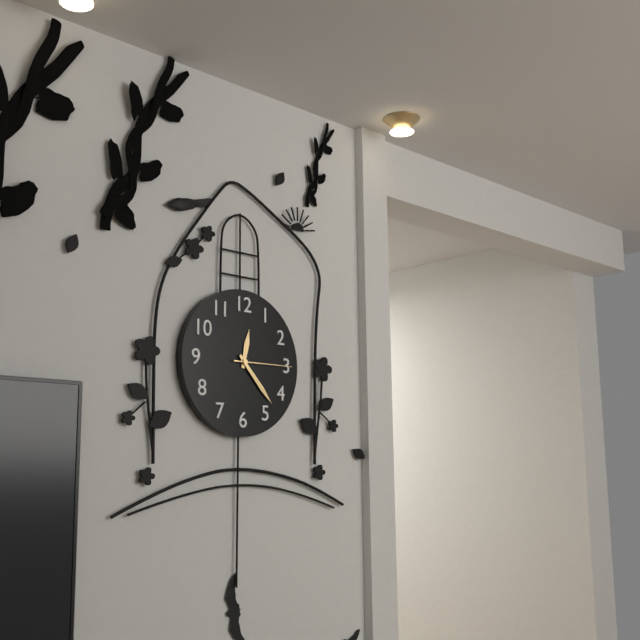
12:23:15
